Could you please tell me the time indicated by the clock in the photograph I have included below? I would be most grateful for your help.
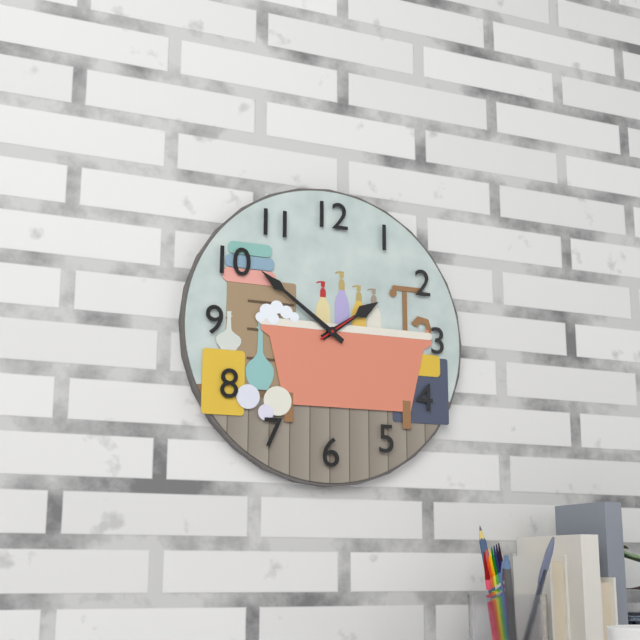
1:51
